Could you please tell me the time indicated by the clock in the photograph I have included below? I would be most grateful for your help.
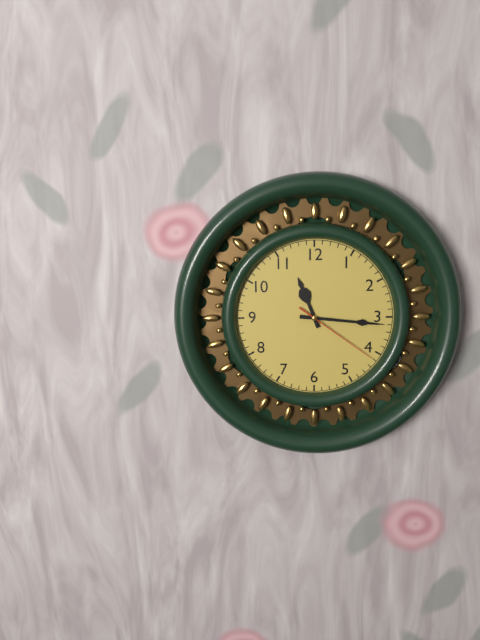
11:16:21
